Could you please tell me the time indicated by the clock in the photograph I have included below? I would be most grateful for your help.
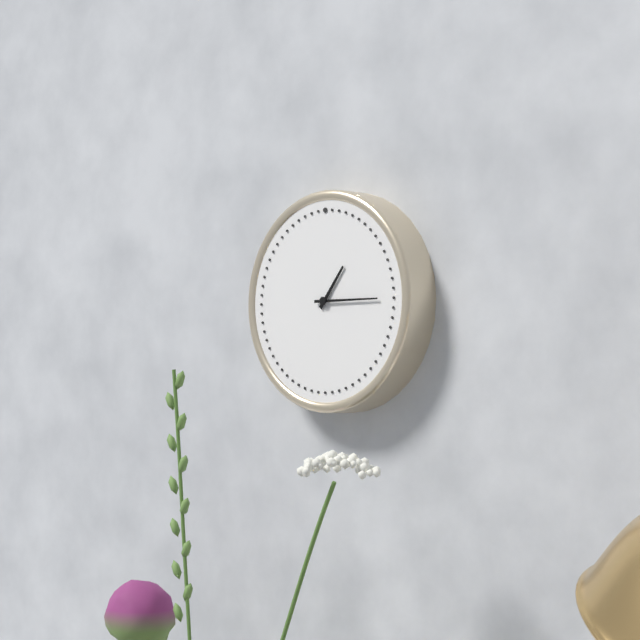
1:15
